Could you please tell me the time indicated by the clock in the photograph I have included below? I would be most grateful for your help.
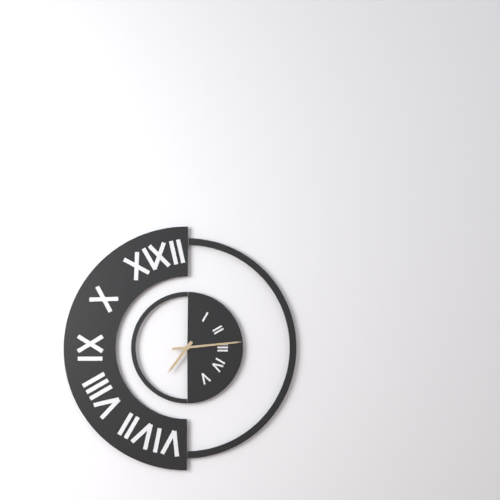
7:14
